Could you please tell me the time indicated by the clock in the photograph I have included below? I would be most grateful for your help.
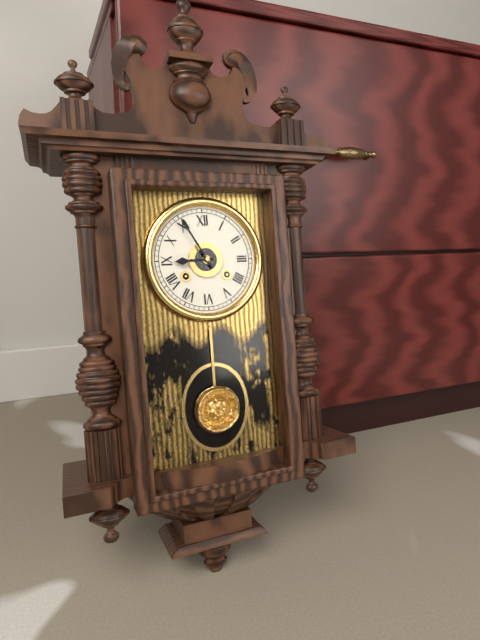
8:55
